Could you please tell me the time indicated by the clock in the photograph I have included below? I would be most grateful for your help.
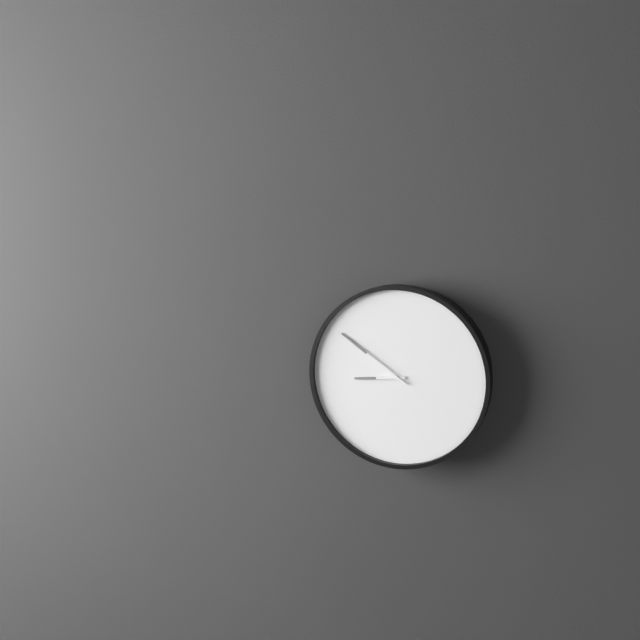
8:51
